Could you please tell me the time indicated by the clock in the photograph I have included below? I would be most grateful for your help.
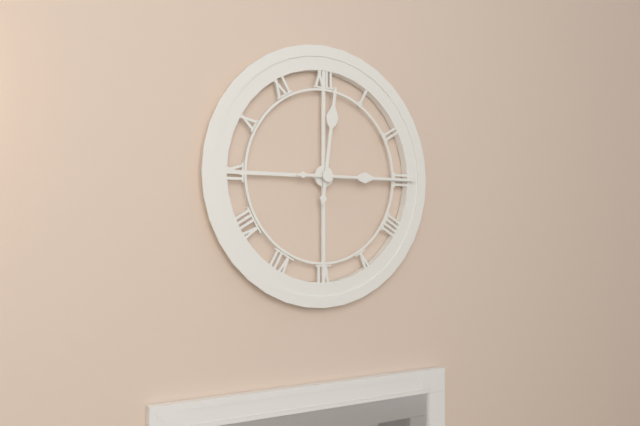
12:15
